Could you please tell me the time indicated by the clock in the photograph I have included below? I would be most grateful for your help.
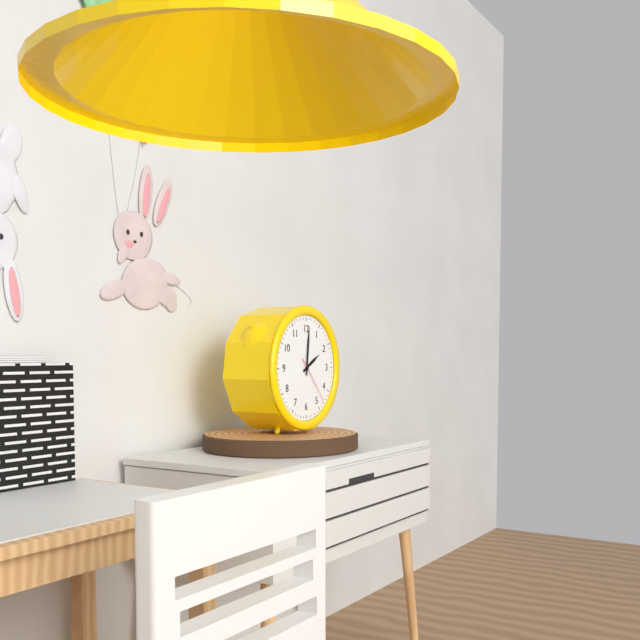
2:01
